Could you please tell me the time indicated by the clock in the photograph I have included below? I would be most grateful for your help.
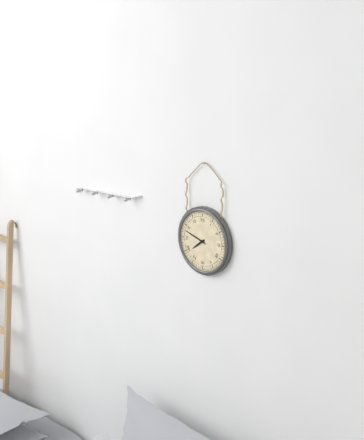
7:48
